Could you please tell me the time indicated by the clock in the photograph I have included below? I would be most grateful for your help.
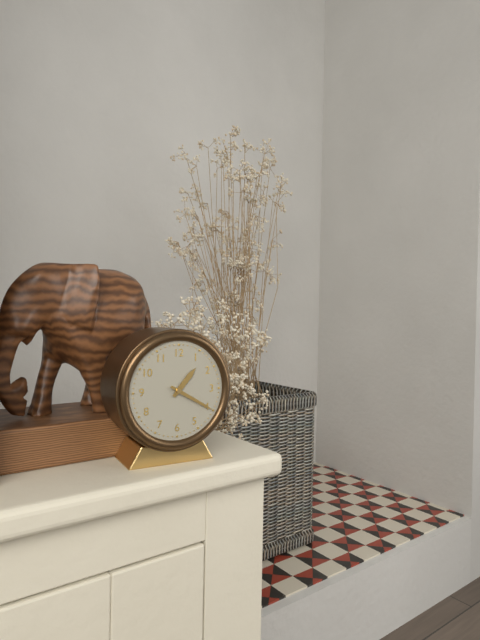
1:20
